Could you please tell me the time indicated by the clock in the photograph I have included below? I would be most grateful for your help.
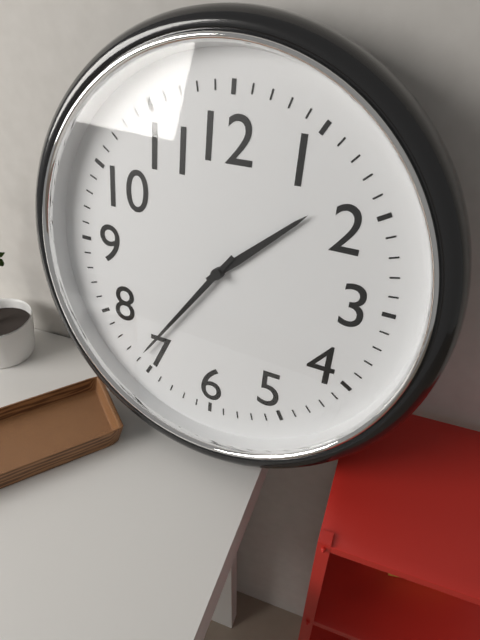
1:36
